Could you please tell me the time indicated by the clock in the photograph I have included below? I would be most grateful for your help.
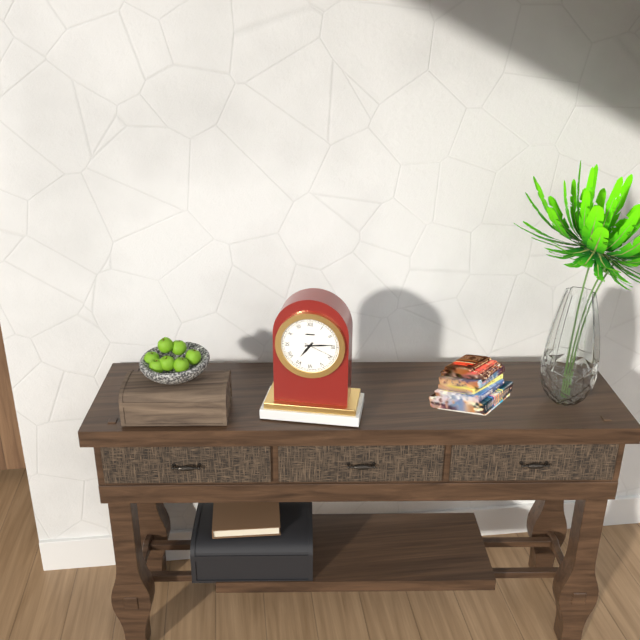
7:14
